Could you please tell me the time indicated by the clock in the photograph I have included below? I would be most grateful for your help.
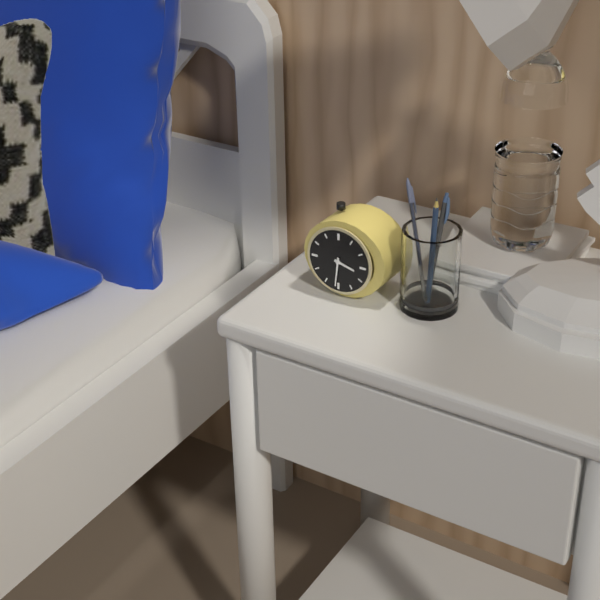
3:31
